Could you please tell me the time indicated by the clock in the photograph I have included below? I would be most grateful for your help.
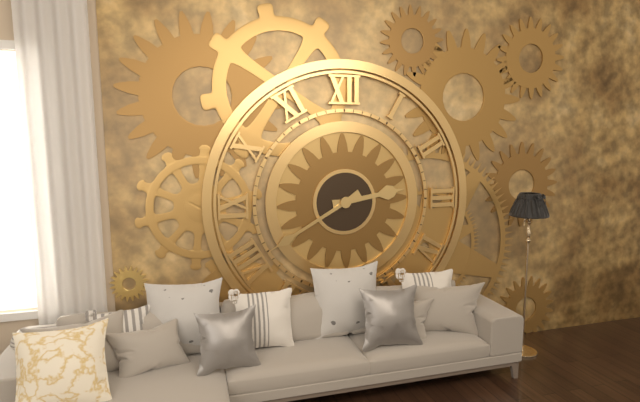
2:40
